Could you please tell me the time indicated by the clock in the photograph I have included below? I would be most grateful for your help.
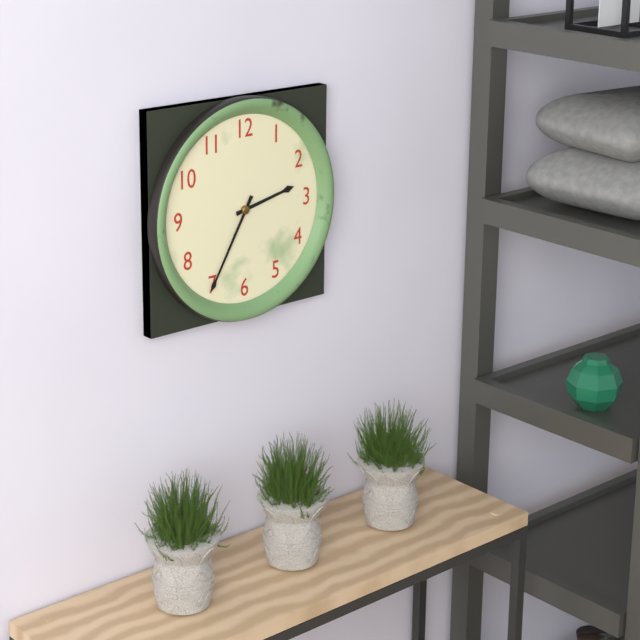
2:35
